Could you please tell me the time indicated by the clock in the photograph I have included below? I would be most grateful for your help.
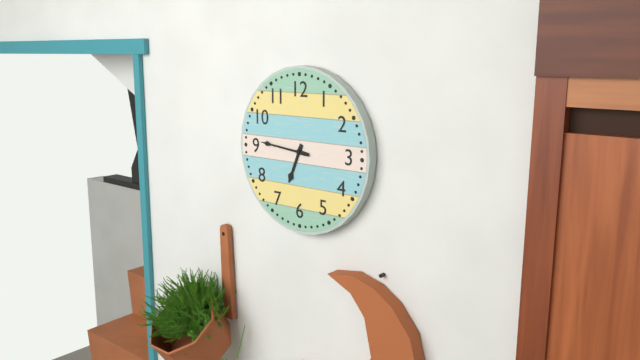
6:46
